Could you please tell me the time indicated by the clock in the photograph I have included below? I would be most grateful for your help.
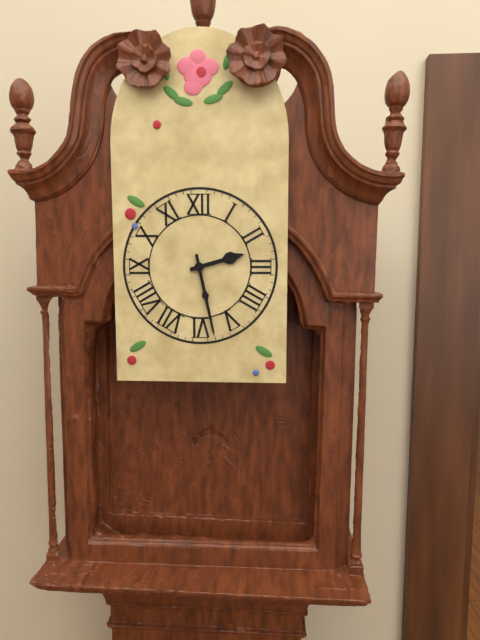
2:28
